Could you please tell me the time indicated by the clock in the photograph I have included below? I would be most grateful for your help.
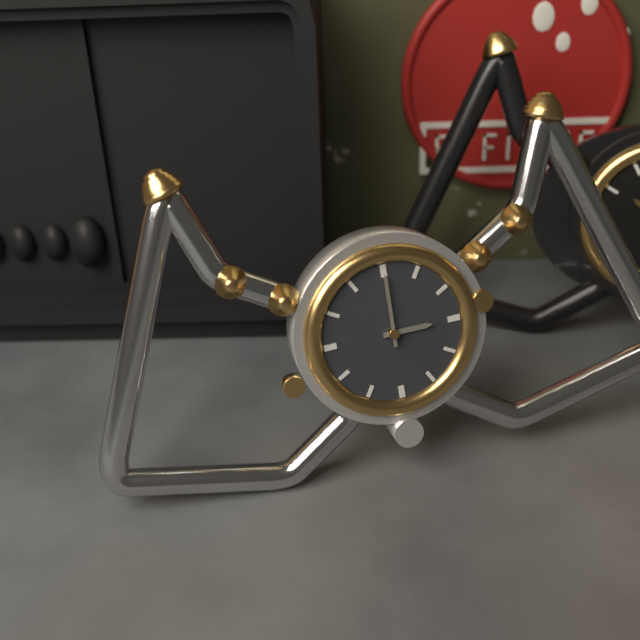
3:00
